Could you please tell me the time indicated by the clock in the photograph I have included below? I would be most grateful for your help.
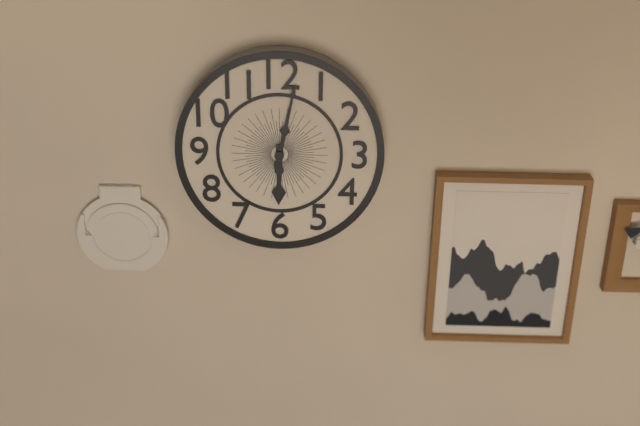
6:02
